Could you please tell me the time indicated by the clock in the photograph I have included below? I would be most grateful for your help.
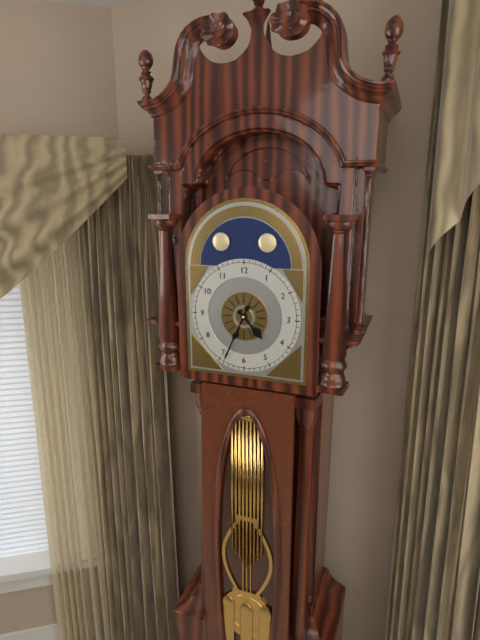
4:34
